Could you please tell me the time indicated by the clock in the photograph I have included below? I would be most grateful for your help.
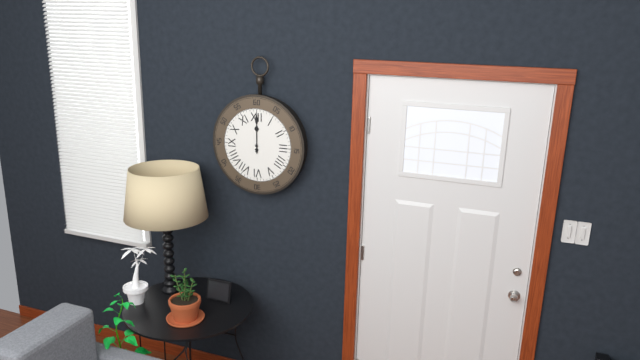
12:00
